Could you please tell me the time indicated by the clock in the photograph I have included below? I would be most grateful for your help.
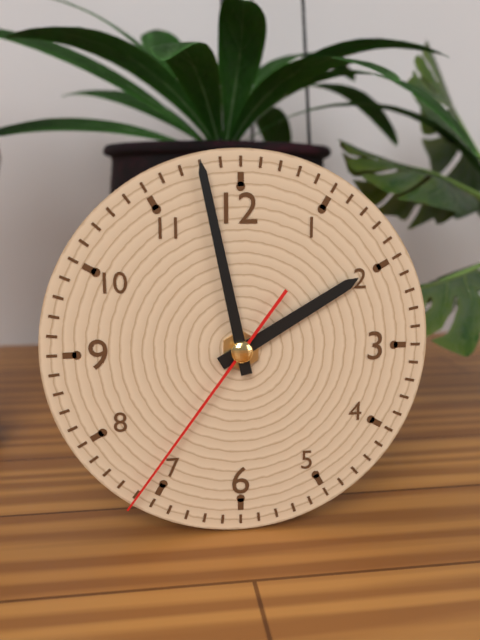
1:58:36
